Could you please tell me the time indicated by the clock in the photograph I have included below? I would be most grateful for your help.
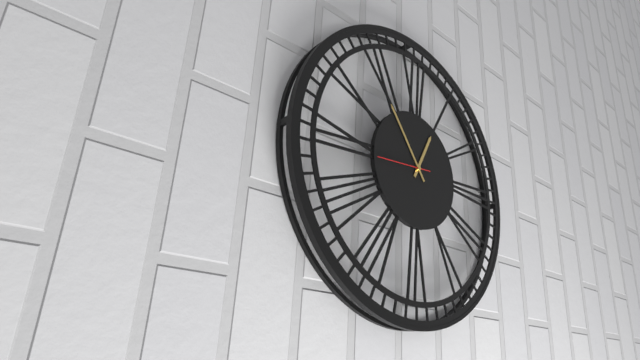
12:54
